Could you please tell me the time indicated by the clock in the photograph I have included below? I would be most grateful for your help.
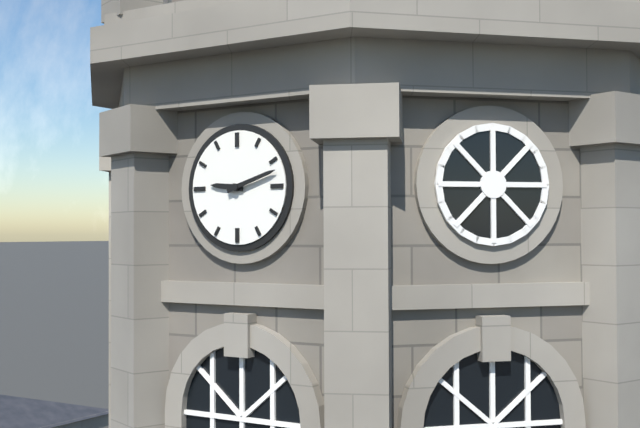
9:12
